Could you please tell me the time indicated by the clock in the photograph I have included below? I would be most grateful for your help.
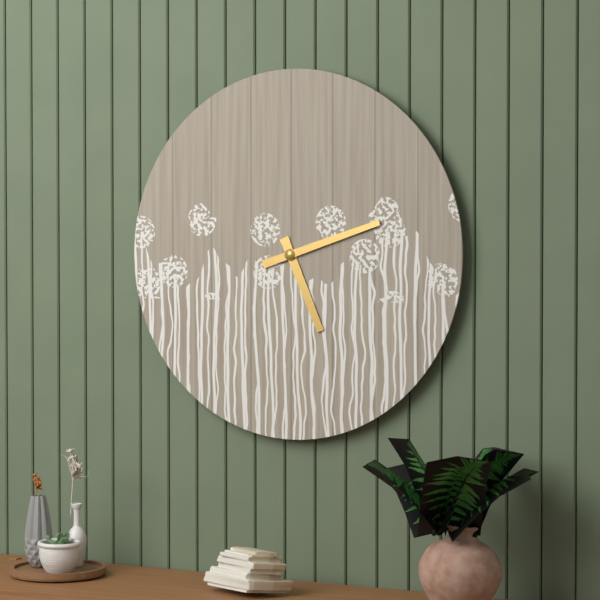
5:12
